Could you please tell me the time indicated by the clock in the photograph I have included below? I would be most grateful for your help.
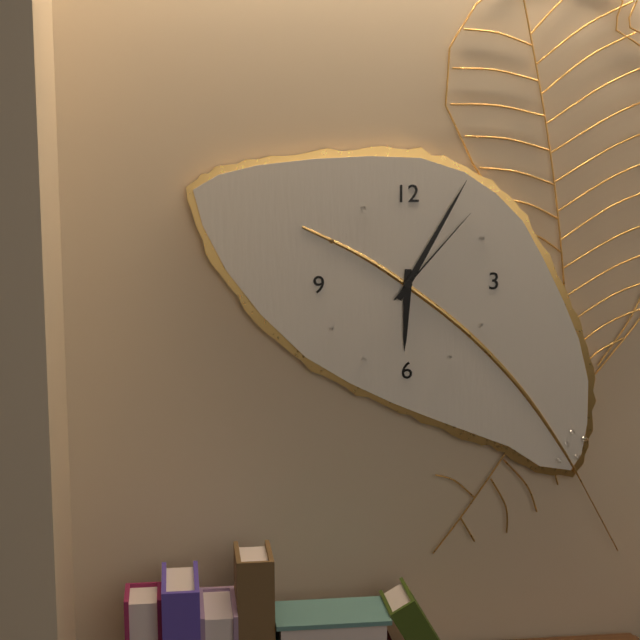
6:05:07
